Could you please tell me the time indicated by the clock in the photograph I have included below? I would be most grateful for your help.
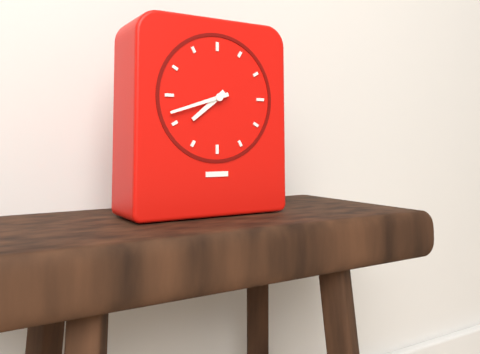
7:42
